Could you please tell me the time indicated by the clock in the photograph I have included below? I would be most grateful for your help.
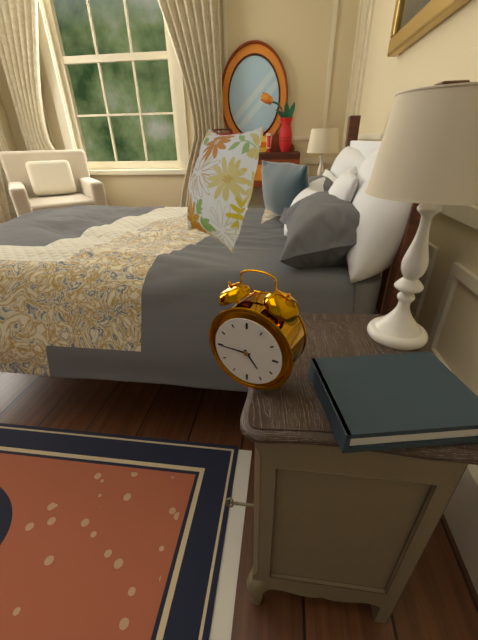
4:45
